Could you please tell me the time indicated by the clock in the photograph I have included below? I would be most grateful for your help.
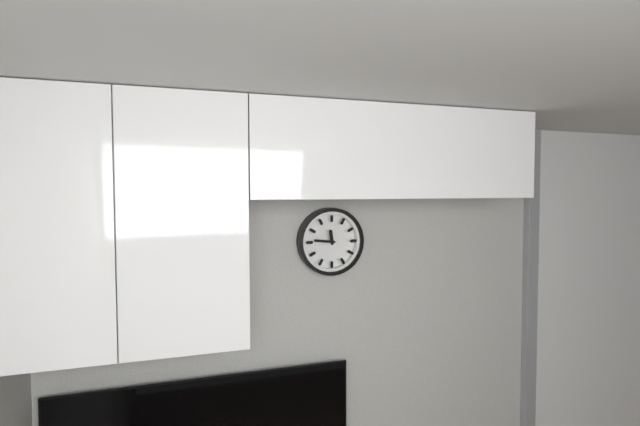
11:46
